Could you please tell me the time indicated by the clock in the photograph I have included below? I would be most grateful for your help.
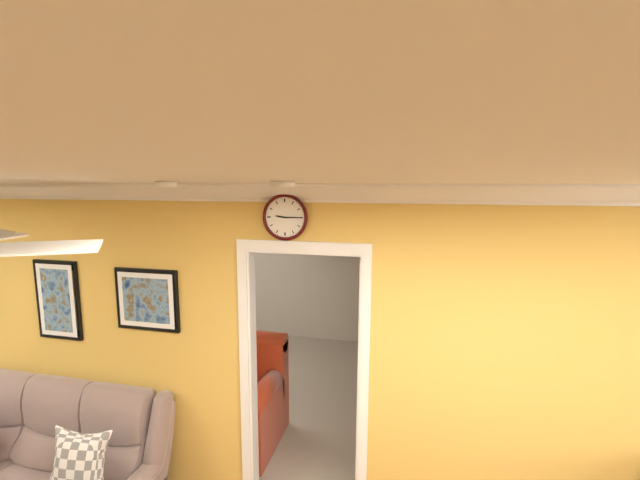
9:15
